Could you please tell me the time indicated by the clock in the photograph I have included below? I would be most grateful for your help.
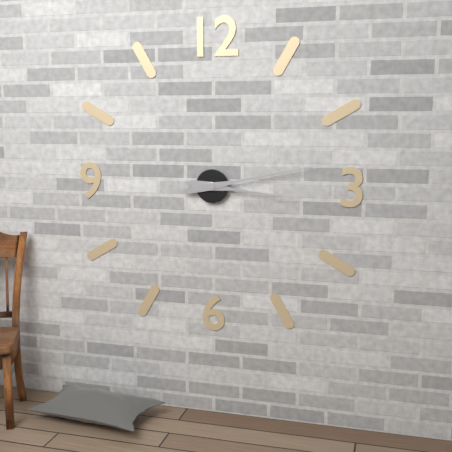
3:13
